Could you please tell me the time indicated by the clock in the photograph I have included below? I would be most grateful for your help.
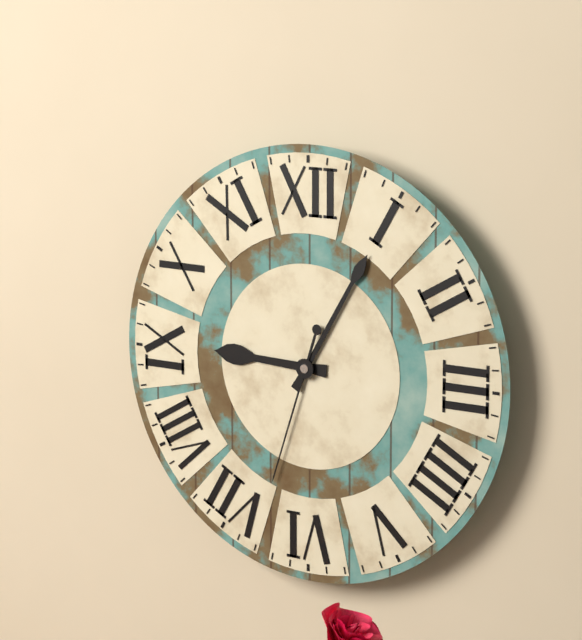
9:05:33
